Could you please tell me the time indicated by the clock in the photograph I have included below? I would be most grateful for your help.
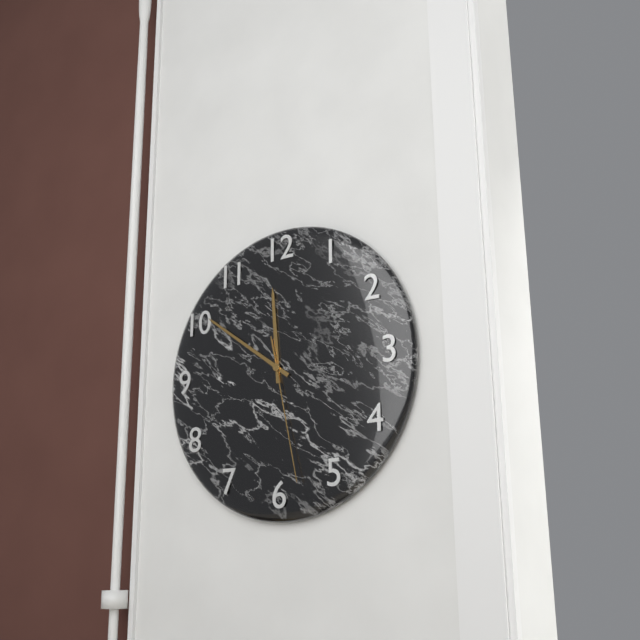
11:51:28
